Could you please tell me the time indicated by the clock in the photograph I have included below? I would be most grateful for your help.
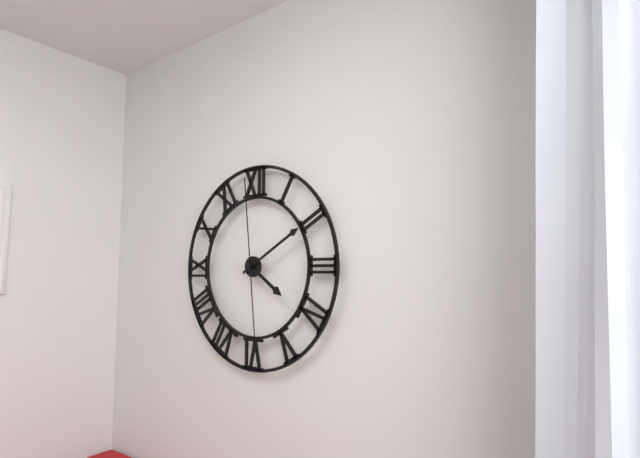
4:10:59
